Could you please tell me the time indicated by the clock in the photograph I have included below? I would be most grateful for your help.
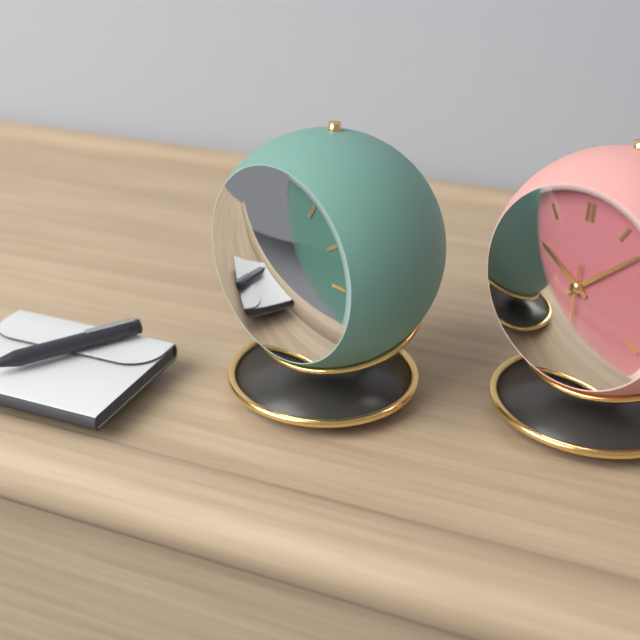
8:23:45
